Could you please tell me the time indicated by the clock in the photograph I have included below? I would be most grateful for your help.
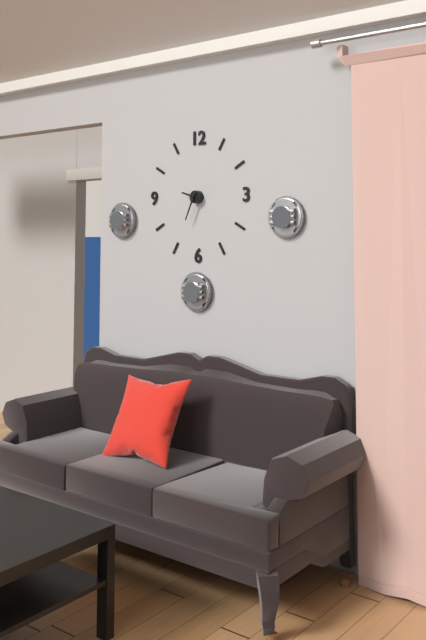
9:34
